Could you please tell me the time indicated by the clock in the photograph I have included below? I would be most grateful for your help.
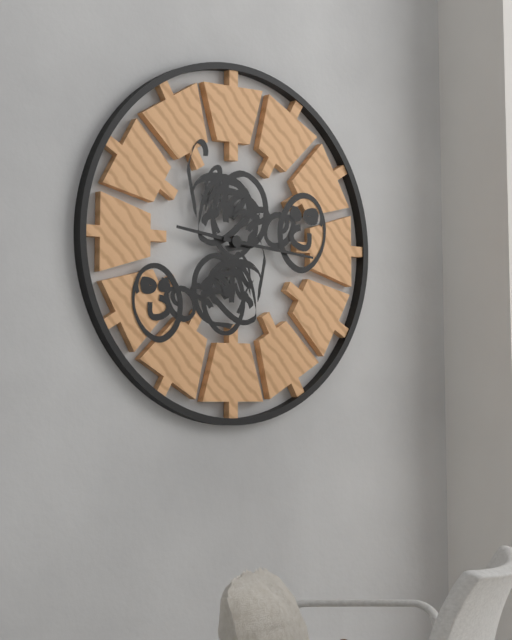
9:16
